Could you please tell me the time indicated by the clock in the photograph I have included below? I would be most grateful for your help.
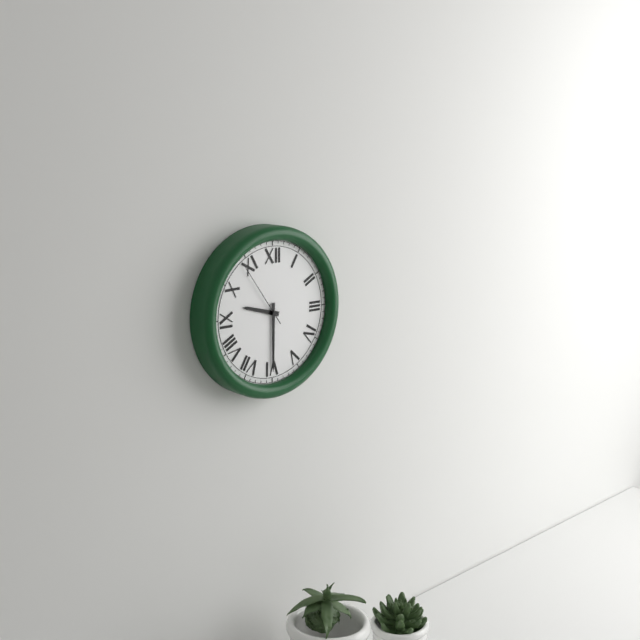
9:30:54
